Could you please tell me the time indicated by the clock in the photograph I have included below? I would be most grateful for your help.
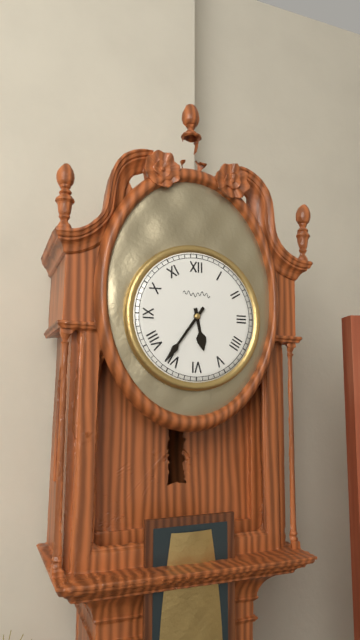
5:36
